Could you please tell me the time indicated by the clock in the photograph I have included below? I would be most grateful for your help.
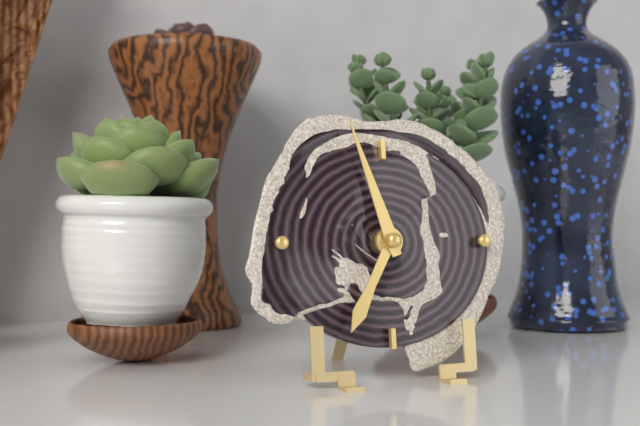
6:57
